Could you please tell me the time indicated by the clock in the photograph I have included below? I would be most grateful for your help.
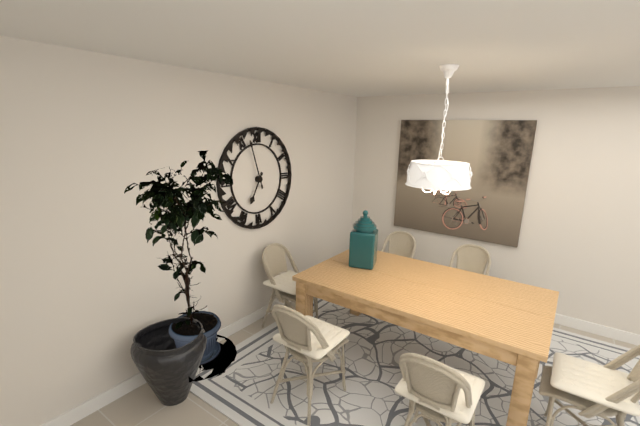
6:57
